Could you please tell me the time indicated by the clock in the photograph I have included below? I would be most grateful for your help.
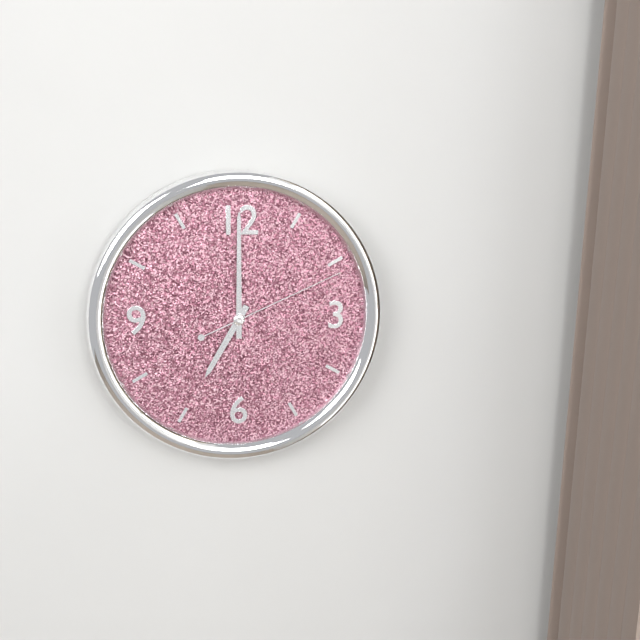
7:00:11
